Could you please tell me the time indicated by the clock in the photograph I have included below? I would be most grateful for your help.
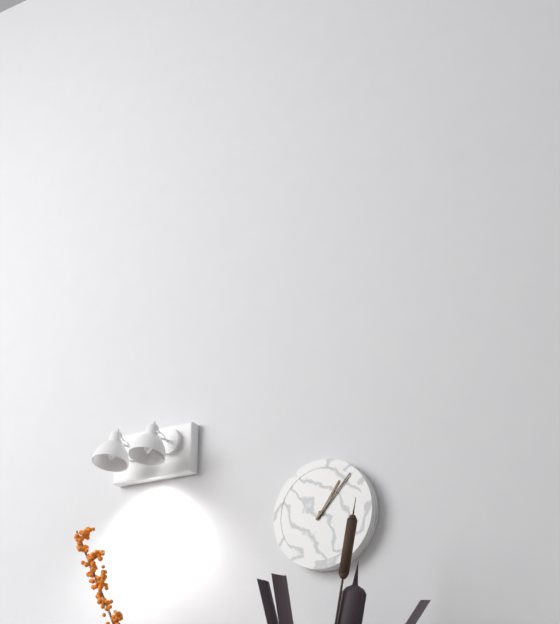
1:07
